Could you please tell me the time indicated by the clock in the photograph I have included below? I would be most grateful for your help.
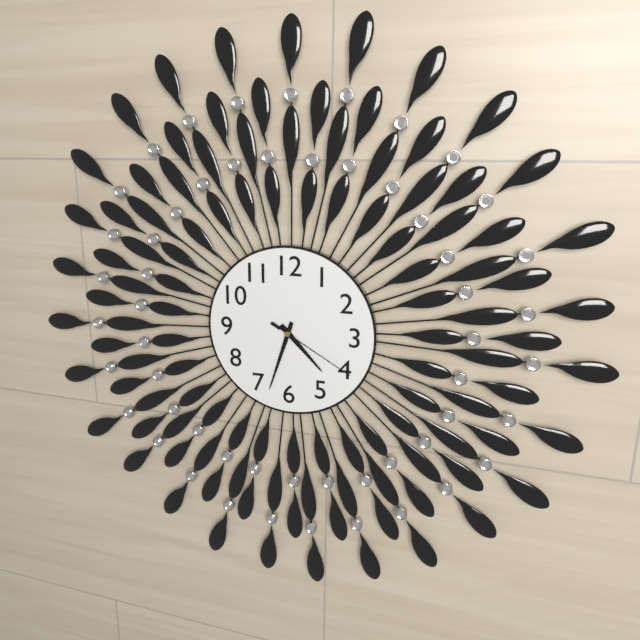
4:33:20
